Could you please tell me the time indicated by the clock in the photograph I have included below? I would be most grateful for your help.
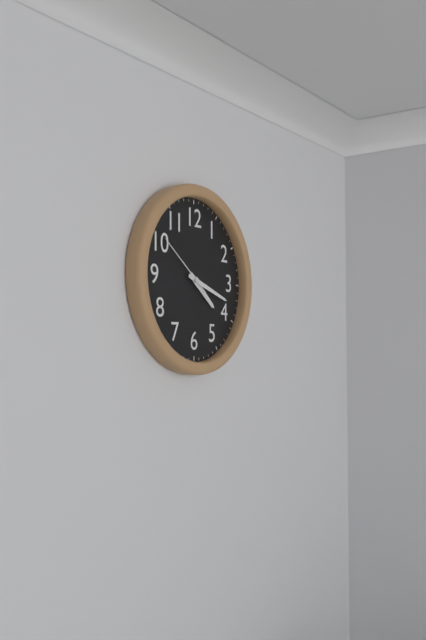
4:18:51
